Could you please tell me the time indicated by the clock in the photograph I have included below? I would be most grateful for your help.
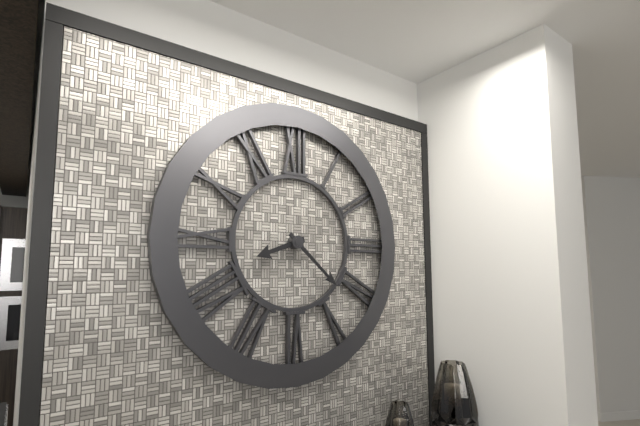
8:22
